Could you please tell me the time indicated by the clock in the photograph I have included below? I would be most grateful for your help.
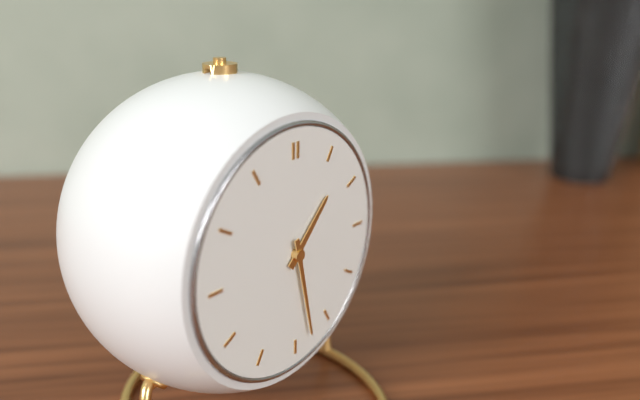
1:28
